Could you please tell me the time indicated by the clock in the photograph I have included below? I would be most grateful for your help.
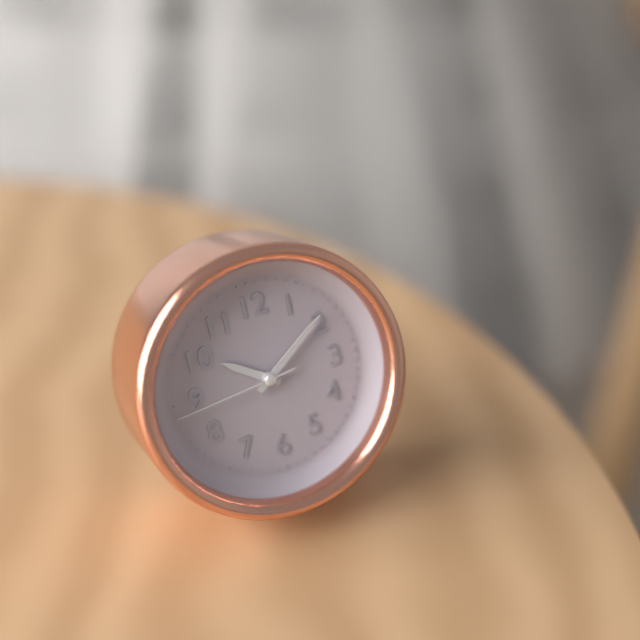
10:09:44
